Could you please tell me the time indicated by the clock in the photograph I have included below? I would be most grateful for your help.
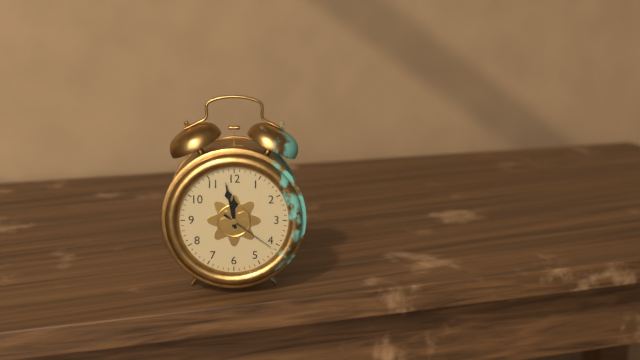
11:58:21
